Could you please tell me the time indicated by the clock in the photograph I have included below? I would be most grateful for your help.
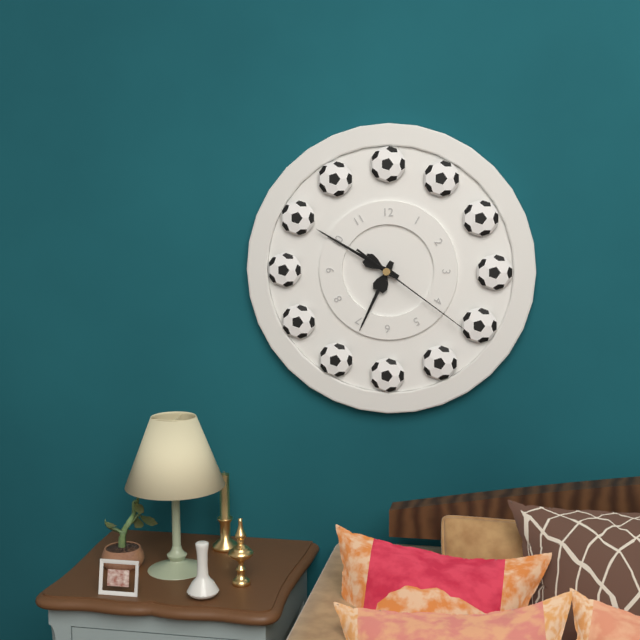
6:50:21
